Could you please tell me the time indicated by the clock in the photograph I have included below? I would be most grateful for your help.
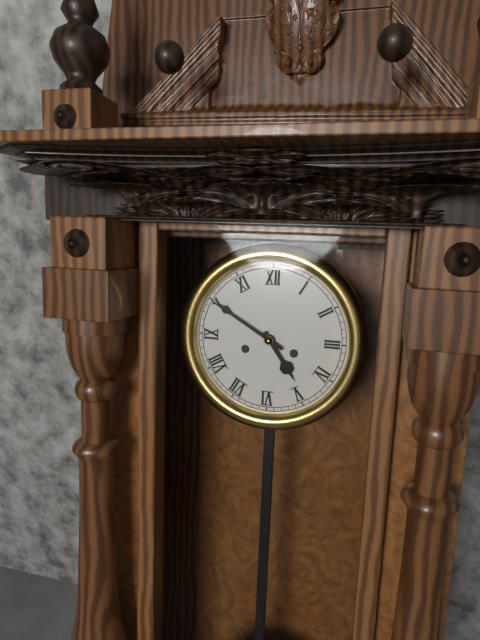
4:50
